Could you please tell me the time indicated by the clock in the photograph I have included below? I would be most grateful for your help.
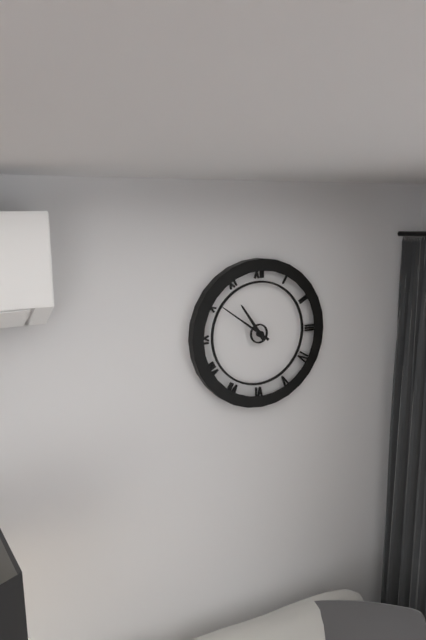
10:51
